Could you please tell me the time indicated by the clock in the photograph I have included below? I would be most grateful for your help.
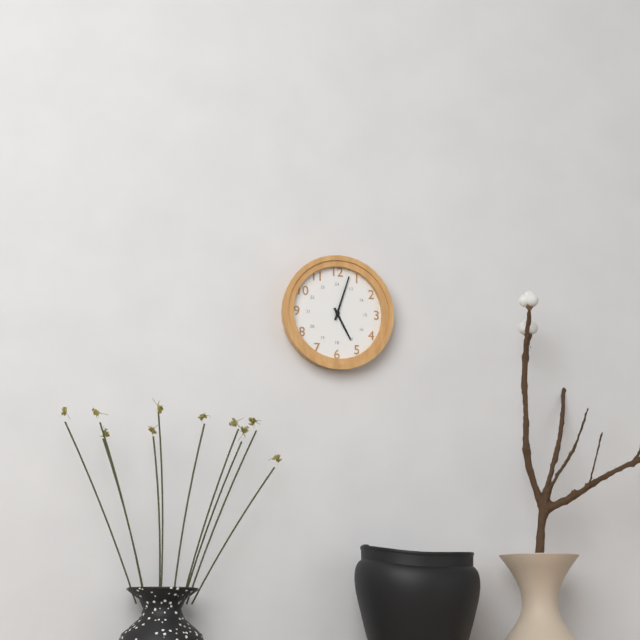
5:03
